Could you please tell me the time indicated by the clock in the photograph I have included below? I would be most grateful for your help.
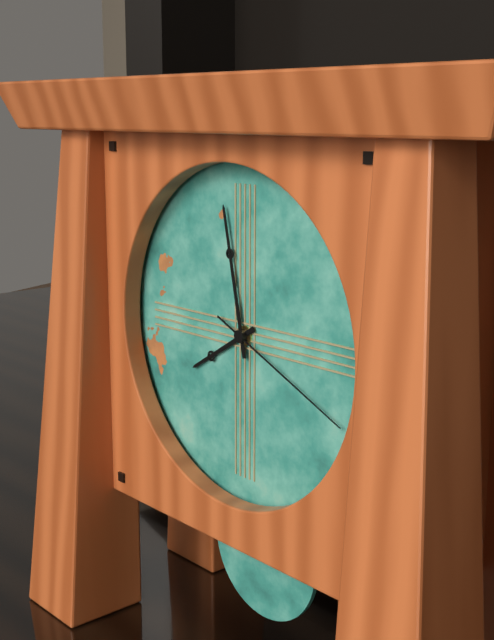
7:58:19
